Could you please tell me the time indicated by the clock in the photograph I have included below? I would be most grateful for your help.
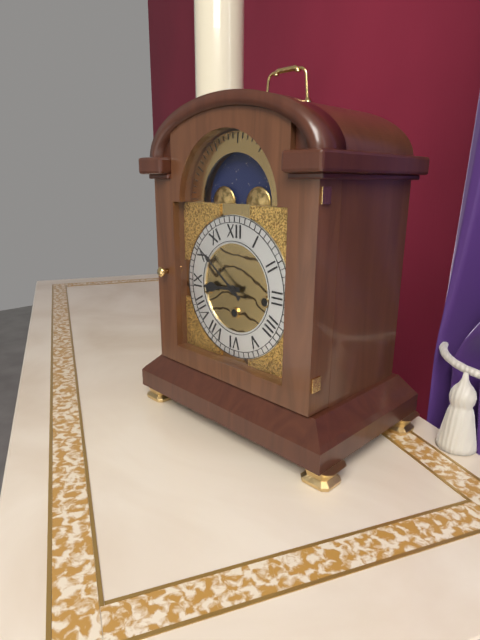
8:51
